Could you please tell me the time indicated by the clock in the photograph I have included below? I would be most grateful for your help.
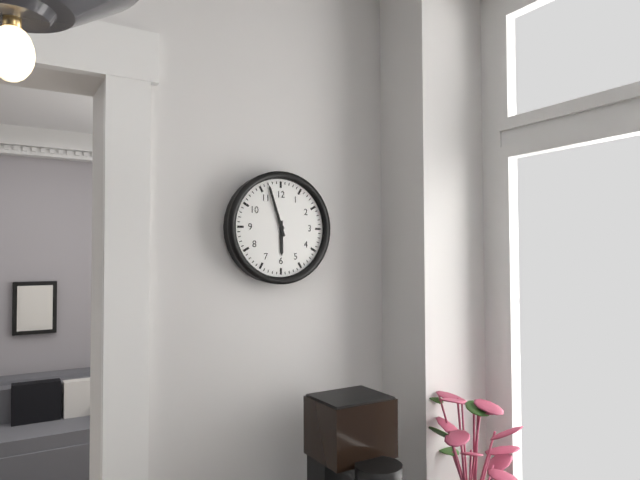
5:57
